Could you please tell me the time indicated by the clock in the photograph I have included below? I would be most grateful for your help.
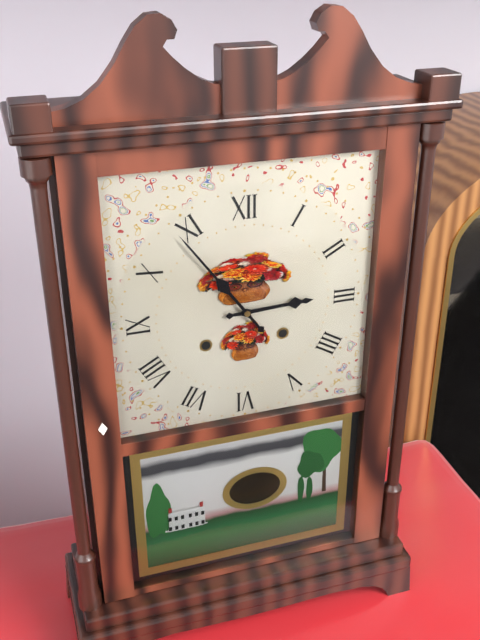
2:54
